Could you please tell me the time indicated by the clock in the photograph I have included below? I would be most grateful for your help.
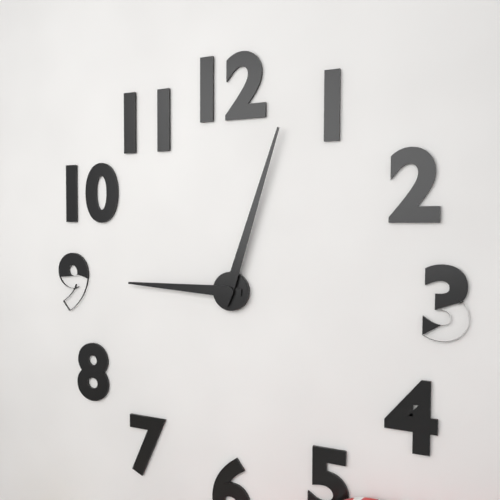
9:03
